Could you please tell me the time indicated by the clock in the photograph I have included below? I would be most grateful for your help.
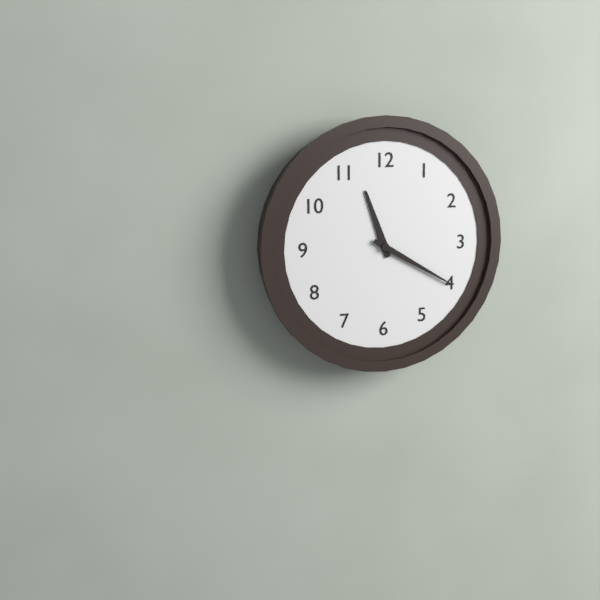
11:20
